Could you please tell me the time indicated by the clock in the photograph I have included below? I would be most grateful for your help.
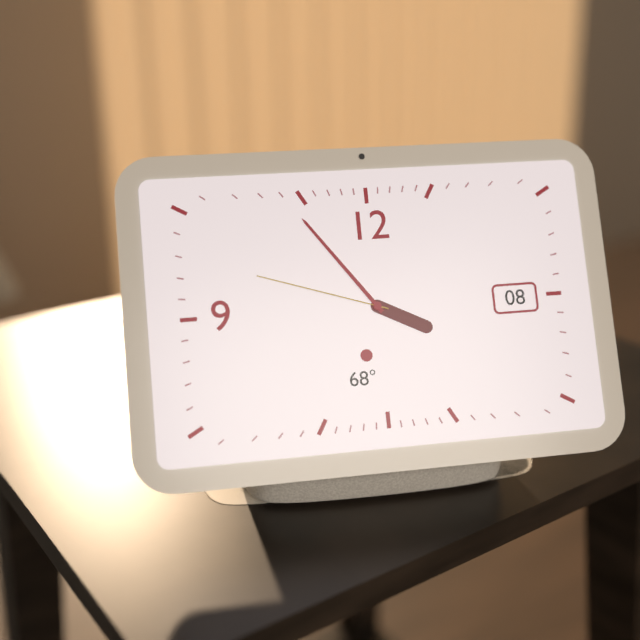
3:54:48
